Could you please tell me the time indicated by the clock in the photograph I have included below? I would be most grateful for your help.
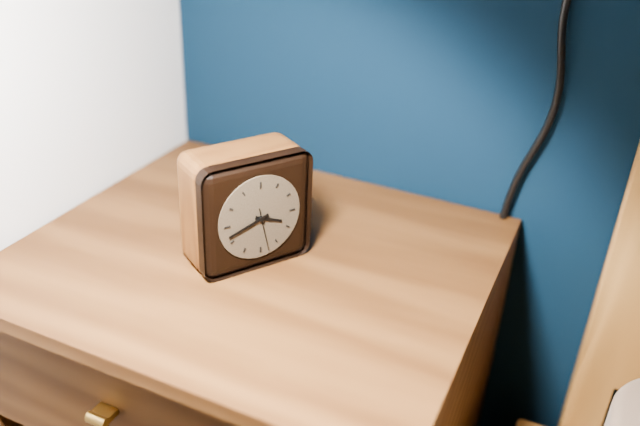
3:42
